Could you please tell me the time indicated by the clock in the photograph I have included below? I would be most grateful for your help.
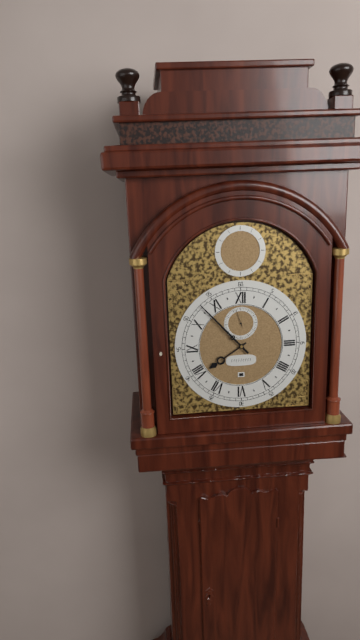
7:53
